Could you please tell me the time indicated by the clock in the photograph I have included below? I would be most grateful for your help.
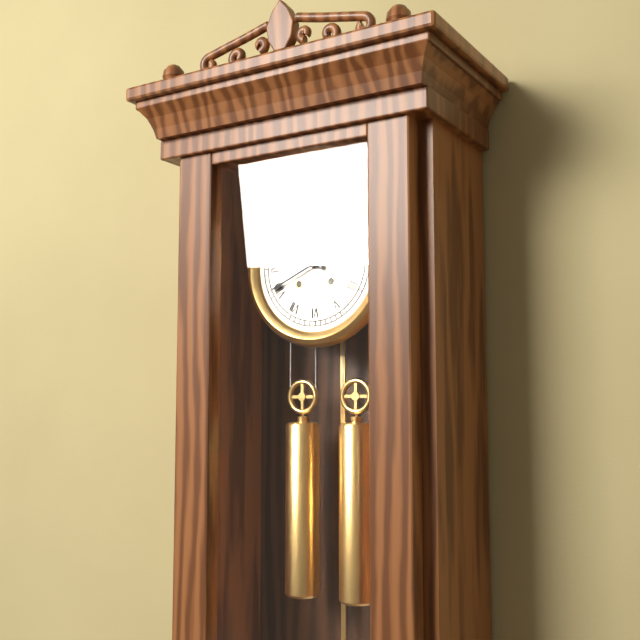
9:41
